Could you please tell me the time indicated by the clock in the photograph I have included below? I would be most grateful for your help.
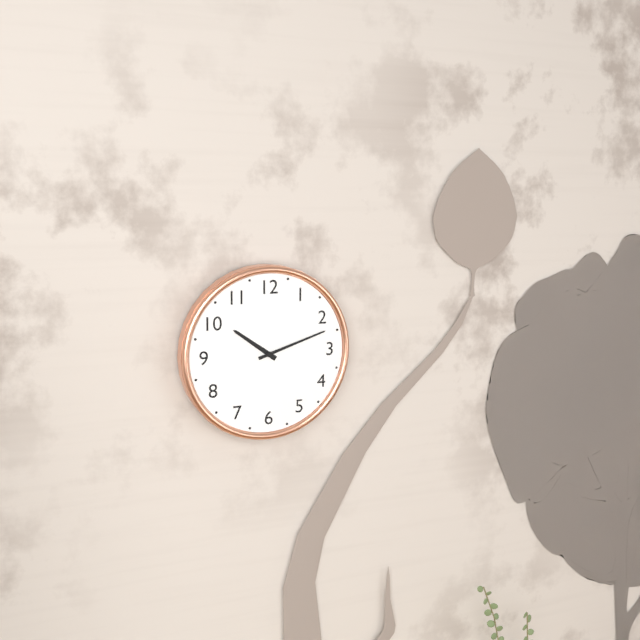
10:12
